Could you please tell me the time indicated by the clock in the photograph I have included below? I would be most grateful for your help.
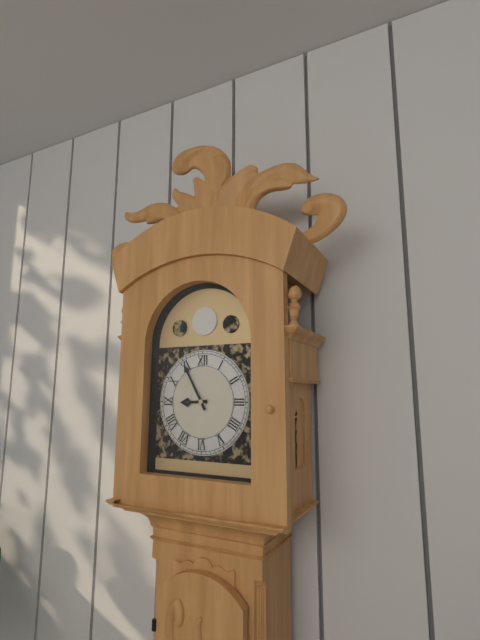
8:55
